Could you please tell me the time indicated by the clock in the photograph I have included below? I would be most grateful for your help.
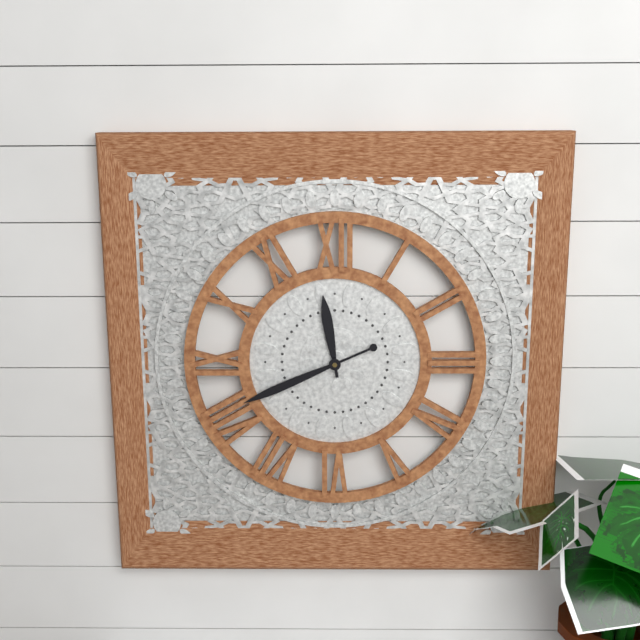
11:41
